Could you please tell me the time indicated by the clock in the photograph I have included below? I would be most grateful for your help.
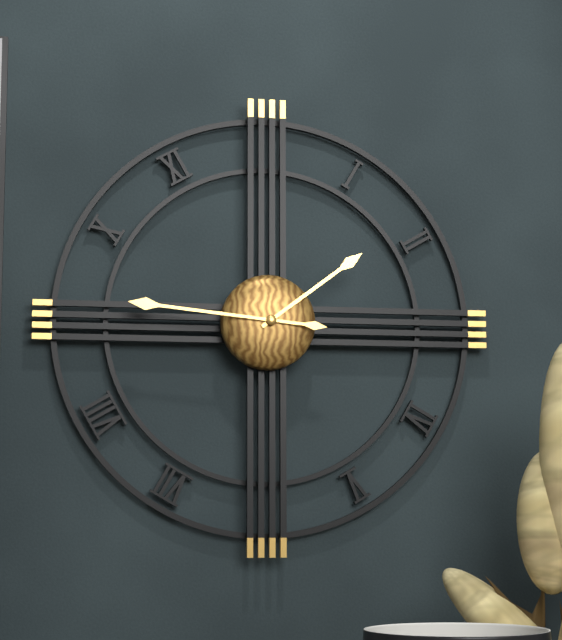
1:46
